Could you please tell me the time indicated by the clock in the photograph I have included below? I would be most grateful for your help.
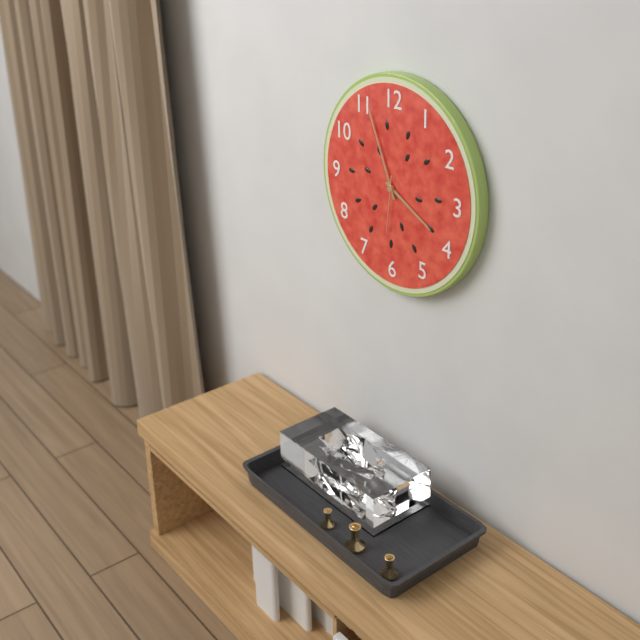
3:56:31
